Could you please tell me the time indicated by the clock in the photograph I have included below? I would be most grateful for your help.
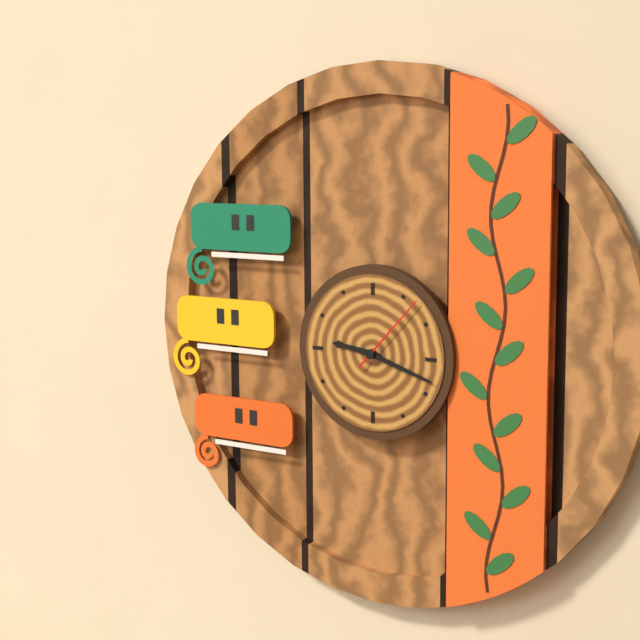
9:18:07
